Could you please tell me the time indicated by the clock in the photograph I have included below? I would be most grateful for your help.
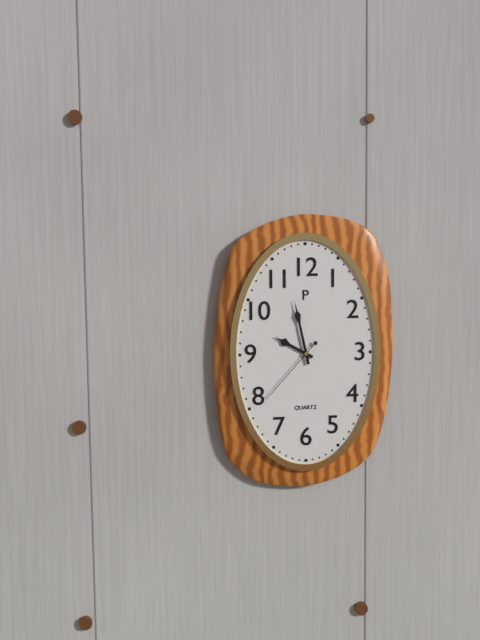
9:58:37
